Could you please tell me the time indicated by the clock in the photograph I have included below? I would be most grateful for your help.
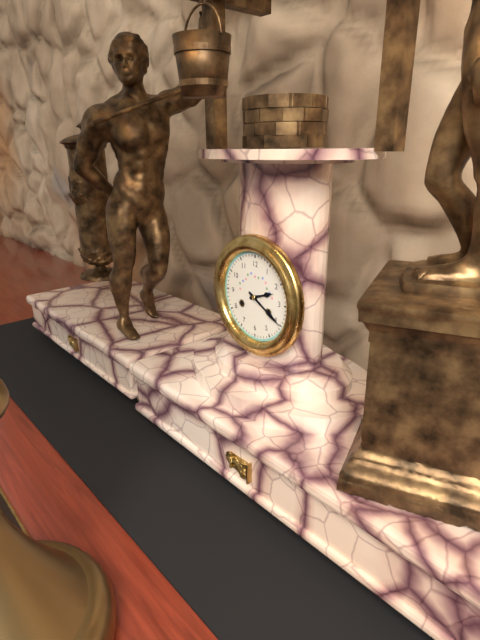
2:20
